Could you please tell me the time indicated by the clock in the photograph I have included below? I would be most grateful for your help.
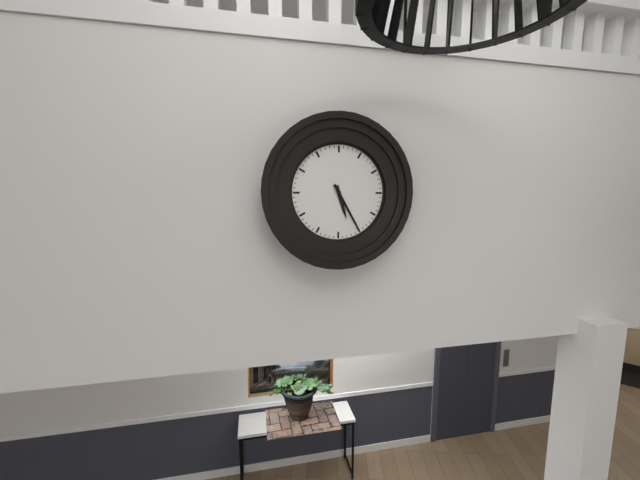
5:25
